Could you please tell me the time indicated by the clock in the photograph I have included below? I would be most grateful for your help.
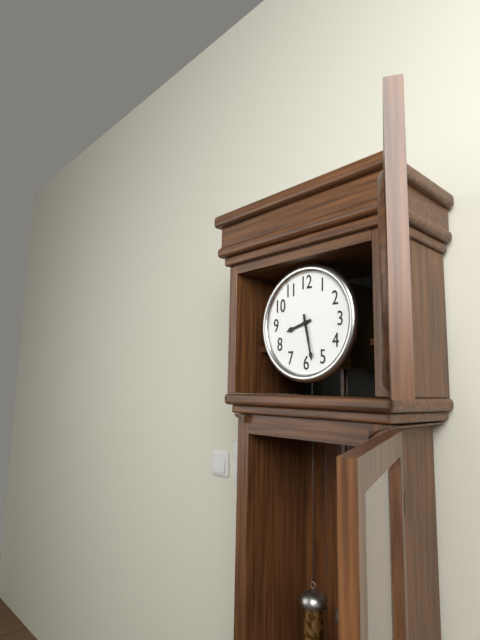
8:28
